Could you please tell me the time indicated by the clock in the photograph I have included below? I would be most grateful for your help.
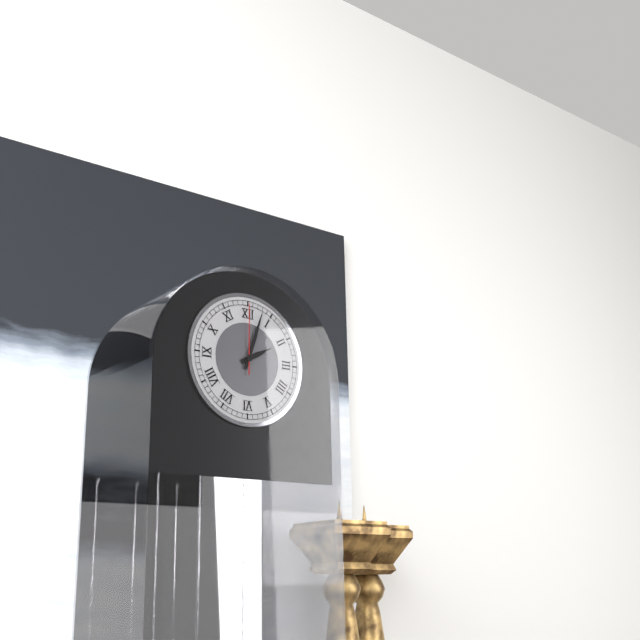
2:03:00
